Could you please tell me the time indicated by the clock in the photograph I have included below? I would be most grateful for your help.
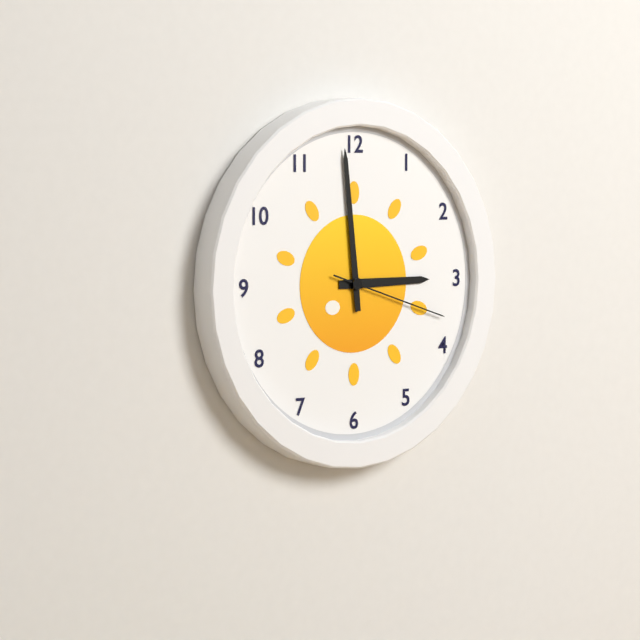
2:59:18
